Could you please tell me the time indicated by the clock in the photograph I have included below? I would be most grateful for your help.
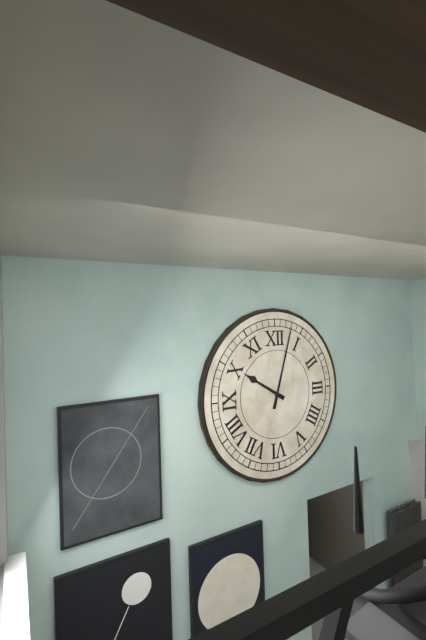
10:03
